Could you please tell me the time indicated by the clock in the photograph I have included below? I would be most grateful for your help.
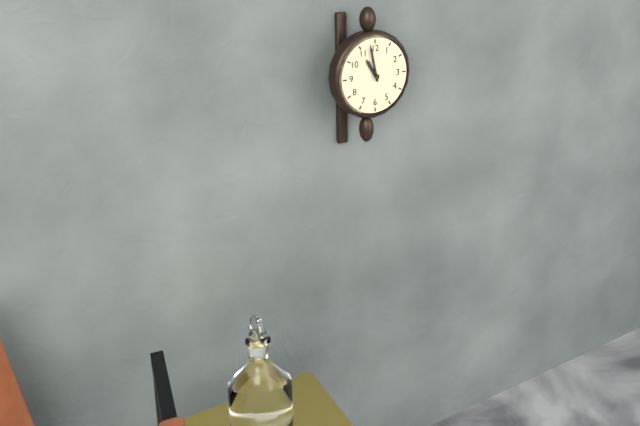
10:58
